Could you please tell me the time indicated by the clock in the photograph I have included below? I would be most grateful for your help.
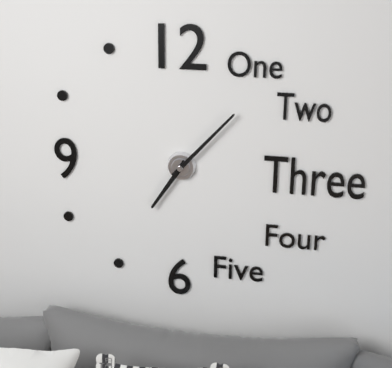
7:07
